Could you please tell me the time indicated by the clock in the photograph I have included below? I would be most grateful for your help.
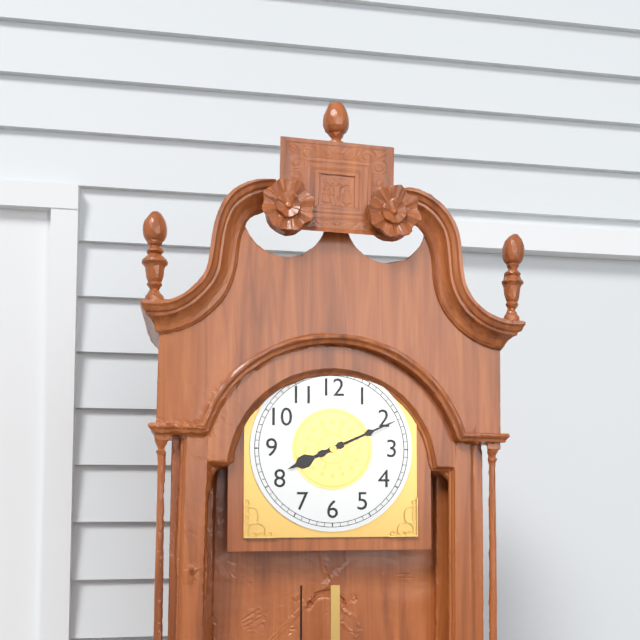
8:11
